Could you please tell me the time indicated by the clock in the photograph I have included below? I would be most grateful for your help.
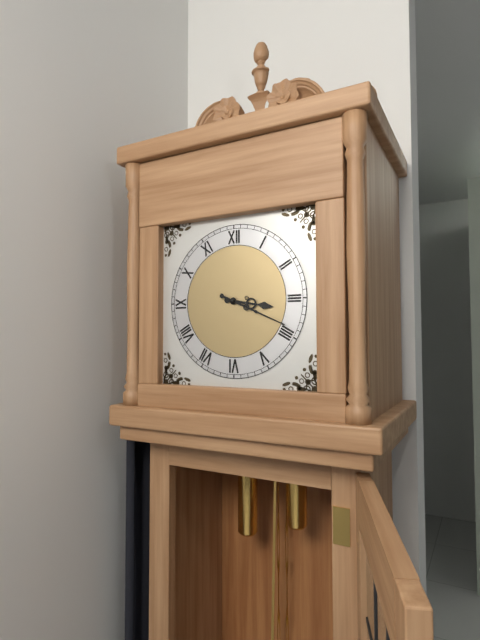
3:19
